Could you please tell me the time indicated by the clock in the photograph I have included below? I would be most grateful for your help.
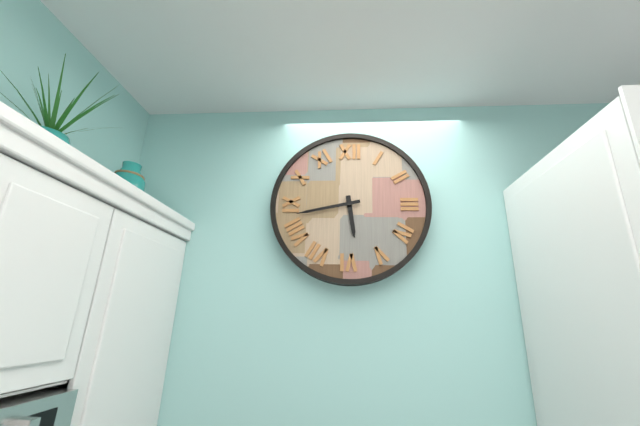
5:43
